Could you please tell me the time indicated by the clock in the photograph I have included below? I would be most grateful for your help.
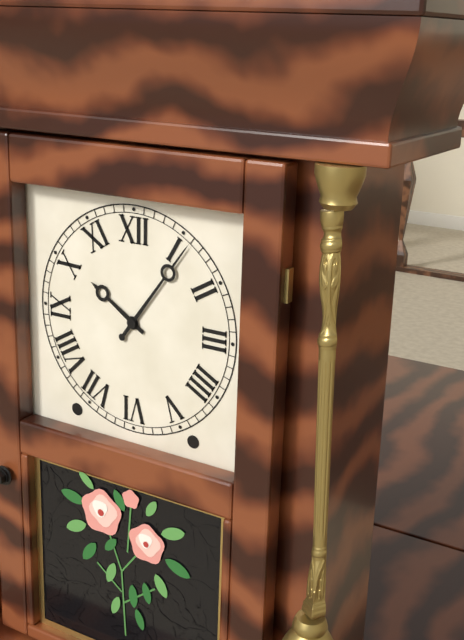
10:06
